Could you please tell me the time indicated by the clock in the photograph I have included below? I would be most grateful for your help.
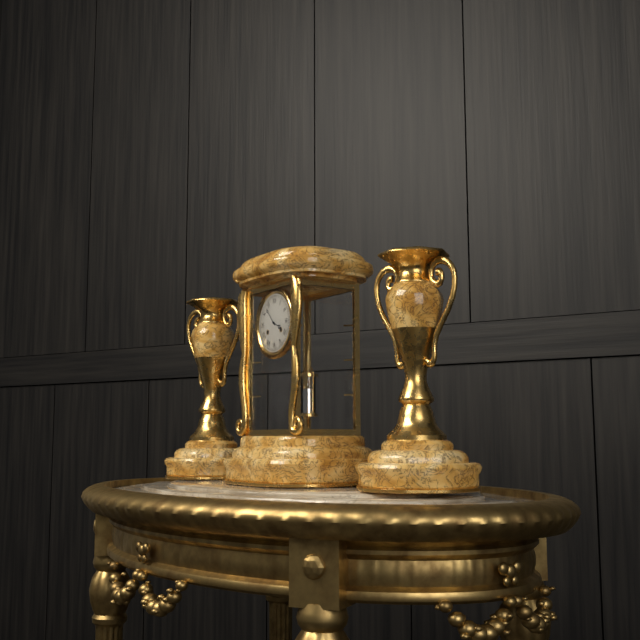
3:53
